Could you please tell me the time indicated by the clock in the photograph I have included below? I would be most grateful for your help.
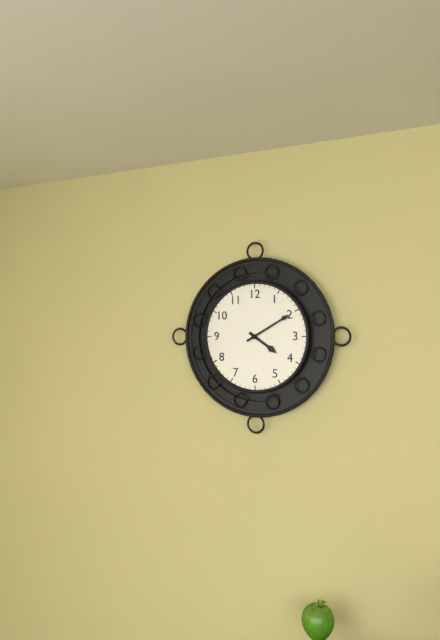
4:10
